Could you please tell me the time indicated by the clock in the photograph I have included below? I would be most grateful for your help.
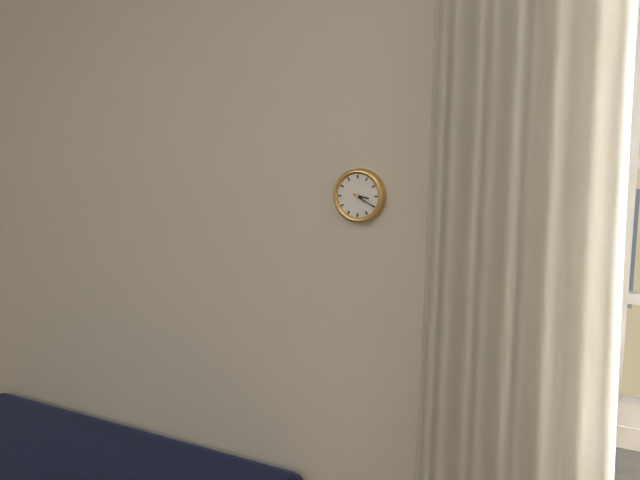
3:20
